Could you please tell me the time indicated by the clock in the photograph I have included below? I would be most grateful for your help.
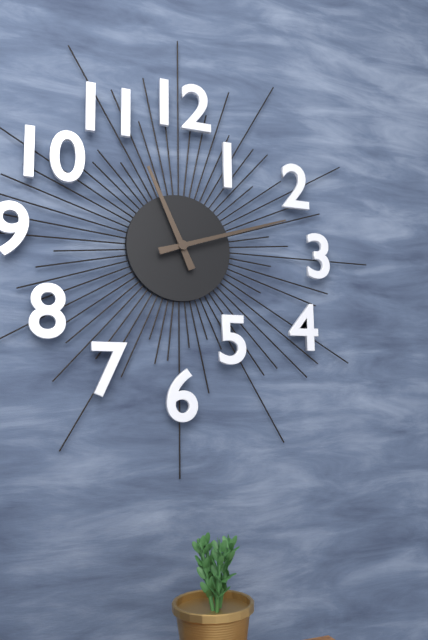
11:12
